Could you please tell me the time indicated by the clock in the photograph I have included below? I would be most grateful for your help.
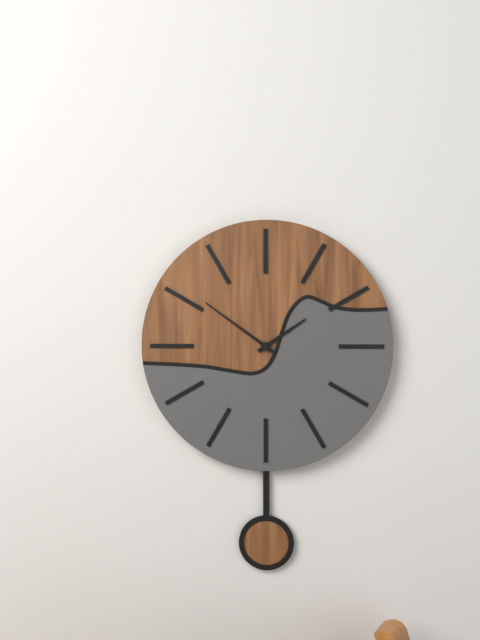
1:51
